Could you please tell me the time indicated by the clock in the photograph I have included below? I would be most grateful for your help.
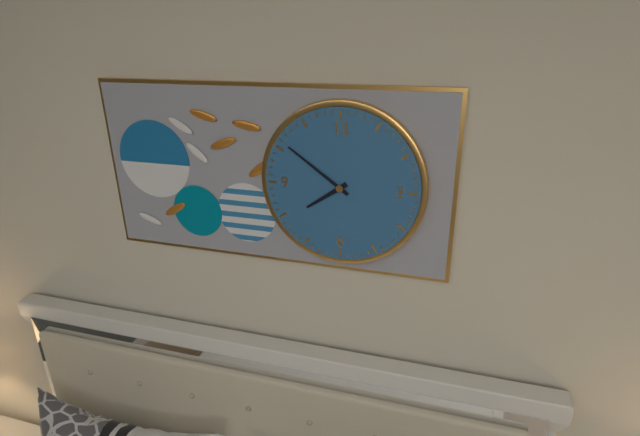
7:51
